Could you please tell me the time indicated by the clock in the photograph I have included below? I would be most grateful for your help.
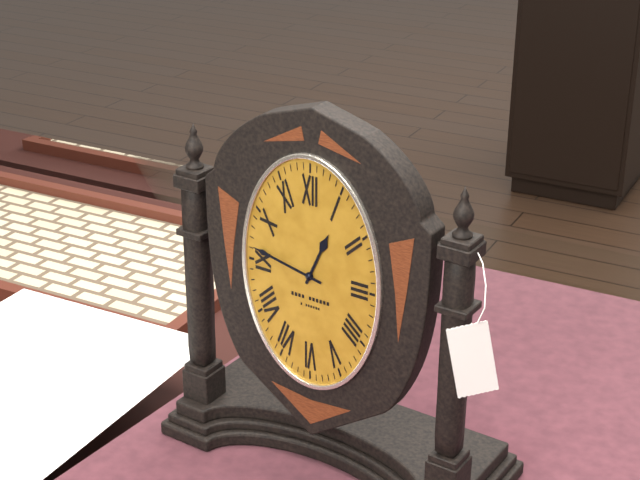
12:47
